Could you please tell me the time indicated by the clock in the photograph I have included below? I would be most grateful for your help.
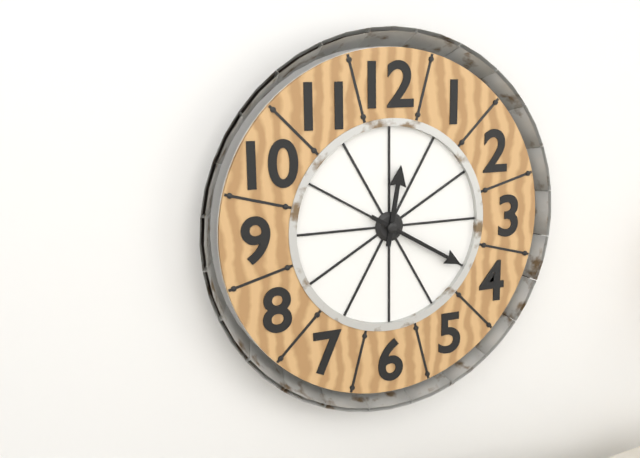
12:20
